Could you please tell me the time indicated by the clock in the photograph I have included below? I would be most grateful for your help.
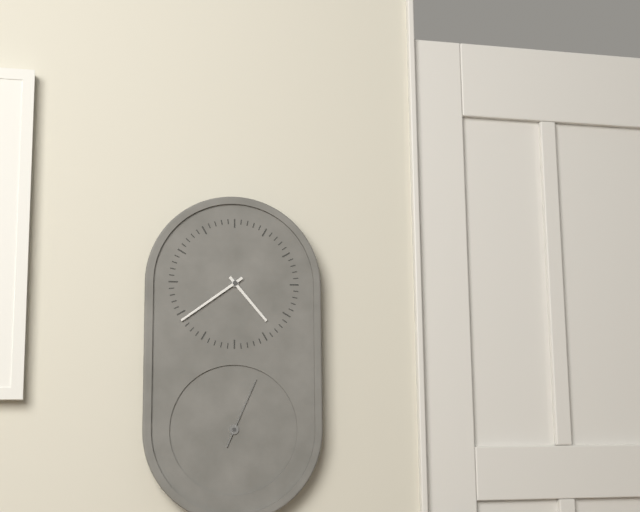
4:39:04
